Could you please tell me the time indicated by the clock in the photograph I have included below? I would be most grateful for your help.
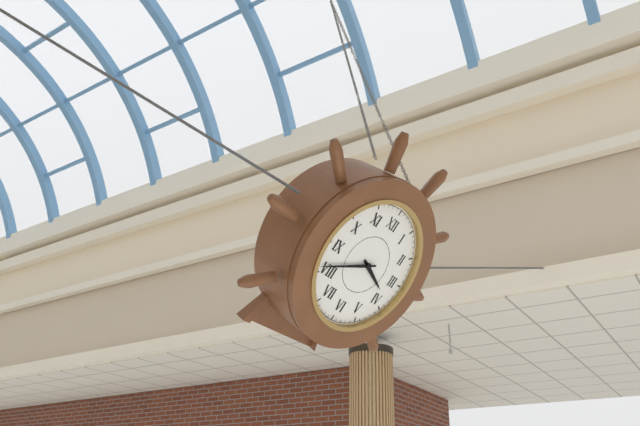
3:41
